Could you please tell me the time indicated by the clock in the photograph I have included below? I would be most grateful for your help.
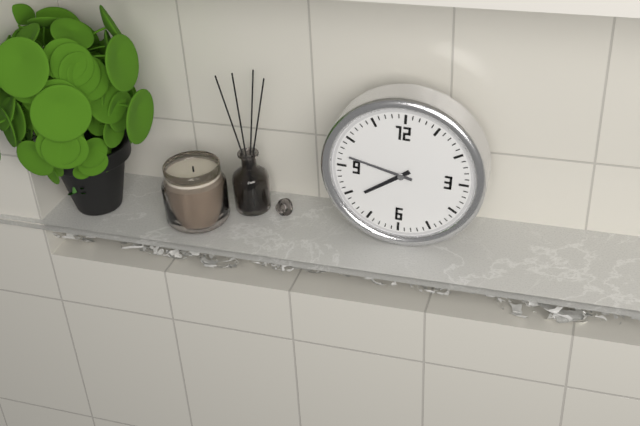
7:47
